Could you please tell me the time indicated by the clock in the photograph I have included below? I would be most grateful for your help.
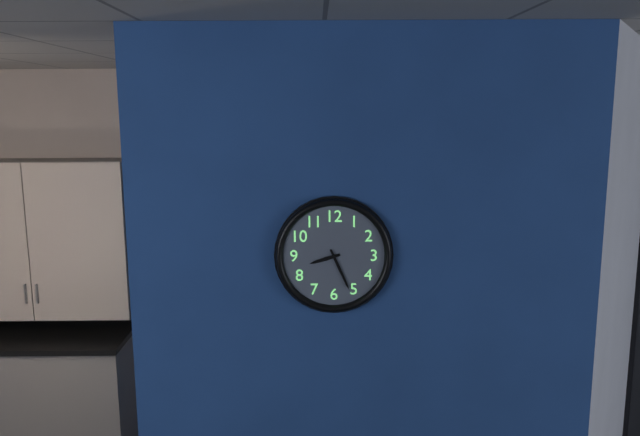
8:26
